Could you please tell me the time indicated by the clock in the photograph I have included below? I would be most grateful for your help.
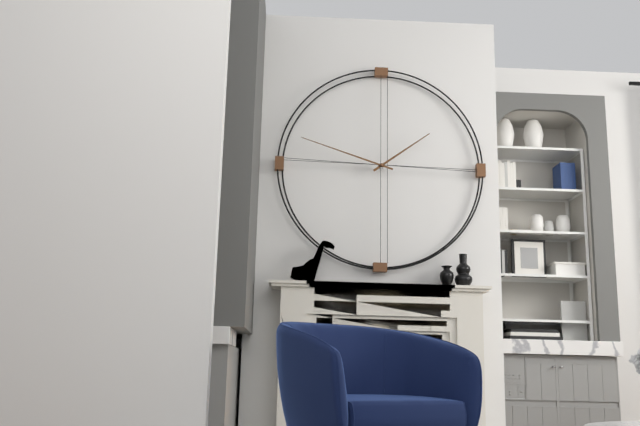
1:48
